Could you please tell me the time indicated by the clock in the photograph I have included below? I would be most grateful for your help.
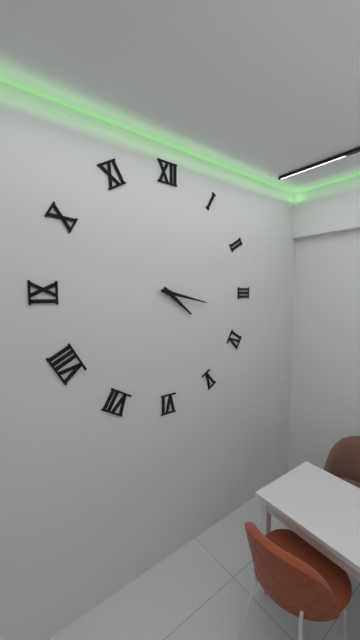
4:17
